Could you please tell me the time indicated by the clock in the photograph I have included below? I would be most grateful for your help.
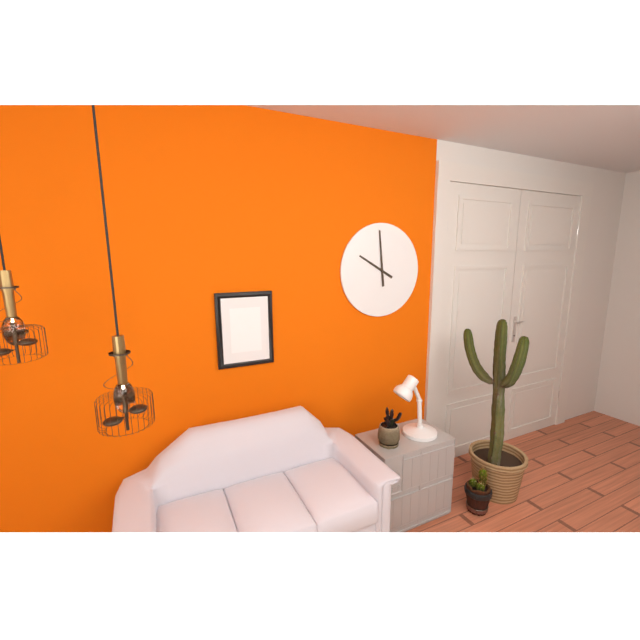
9:59
